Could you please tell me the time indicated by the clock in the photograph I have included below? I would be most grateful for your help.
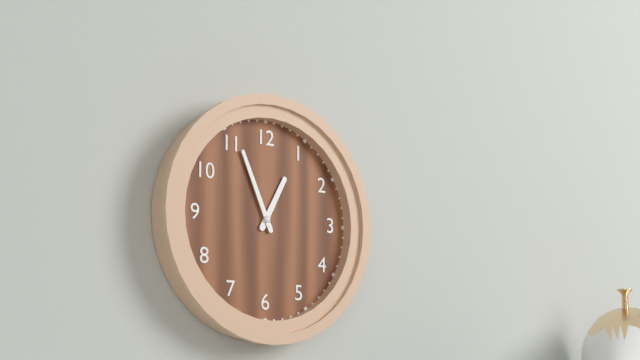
12:56
